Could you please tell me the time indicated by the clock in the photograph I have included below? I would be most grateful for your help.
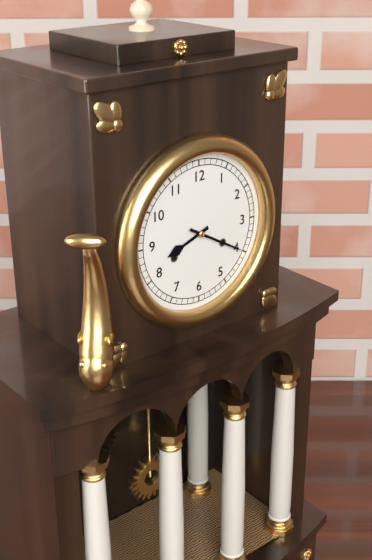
8:20
